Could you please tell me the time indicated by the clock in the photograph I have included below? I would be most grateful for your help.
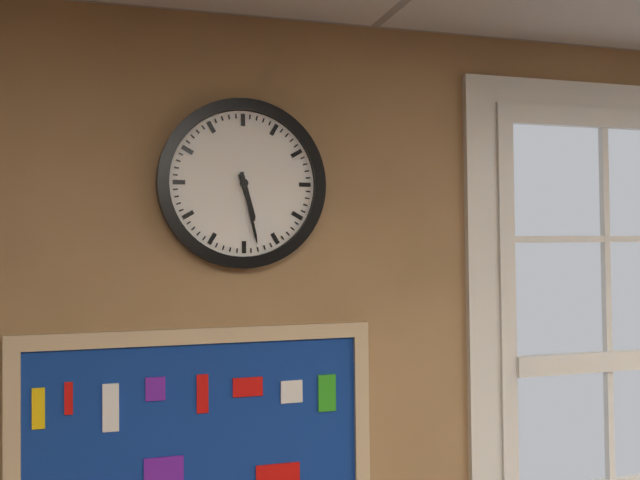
5:28
